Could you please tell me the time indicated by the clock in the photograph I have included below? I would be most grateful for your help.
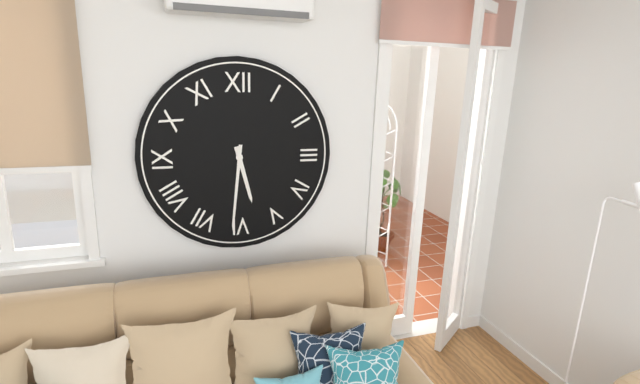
5:31
